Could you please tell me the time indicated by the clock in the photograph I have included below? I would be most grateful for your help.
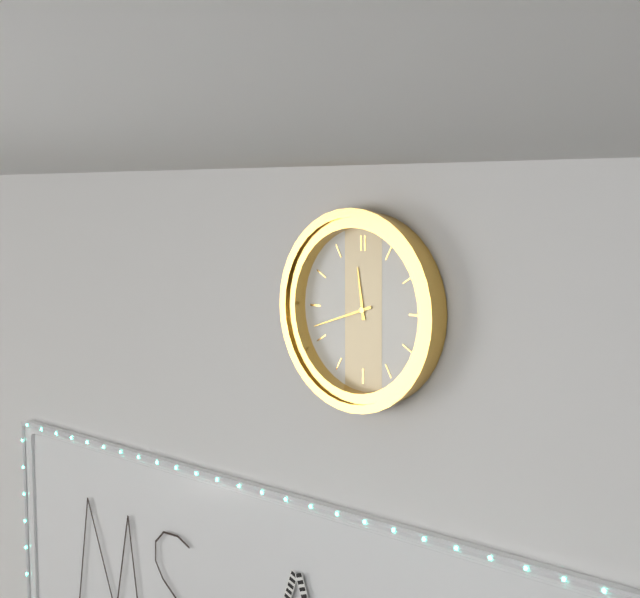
11:42
